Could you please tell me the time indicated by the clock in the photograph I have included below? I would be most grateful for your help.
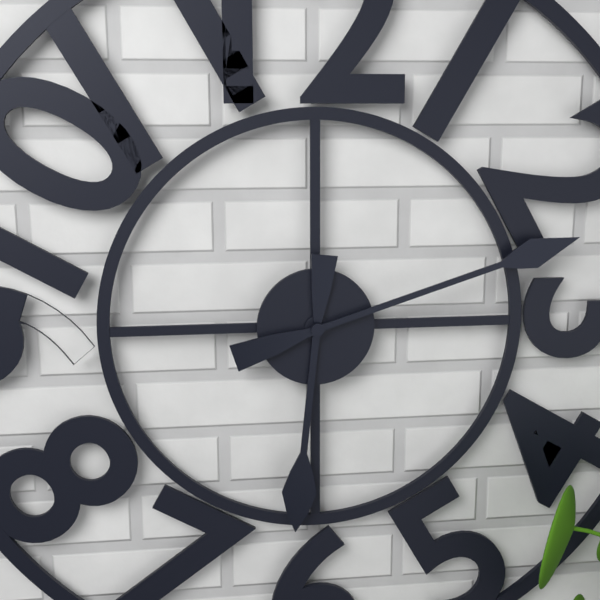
6:12
